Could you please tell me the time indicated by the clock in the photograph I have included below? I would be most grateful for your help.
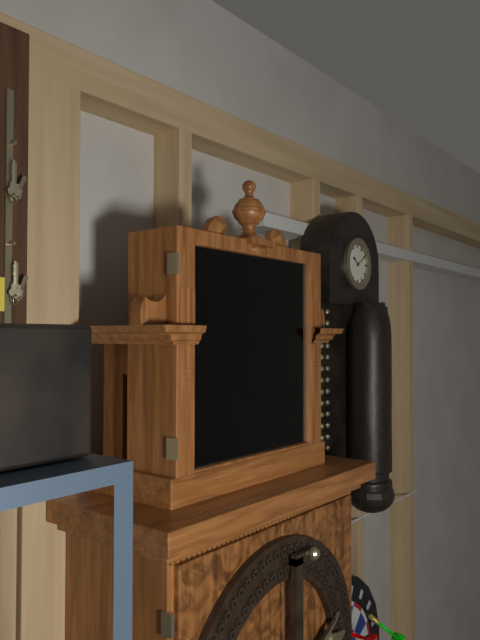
10:16
